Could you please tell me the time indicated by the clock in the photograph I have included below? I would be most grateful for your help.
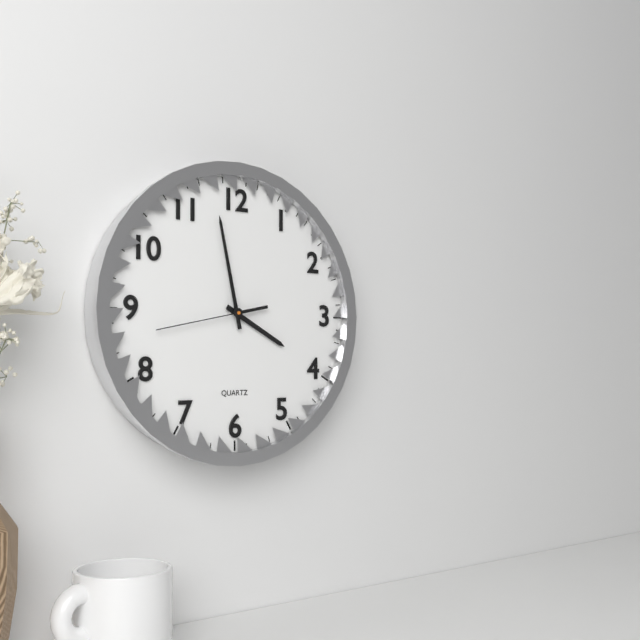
3:58:43
